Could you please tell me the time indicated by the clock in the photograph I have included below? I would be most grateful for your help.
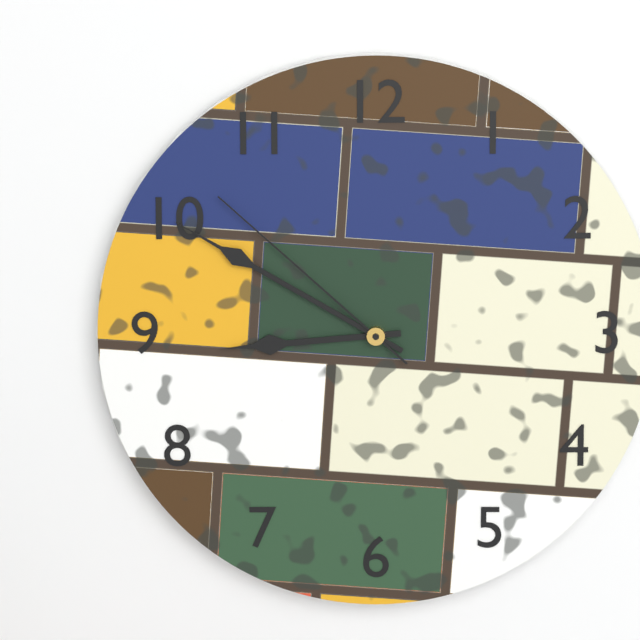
8:50:52
